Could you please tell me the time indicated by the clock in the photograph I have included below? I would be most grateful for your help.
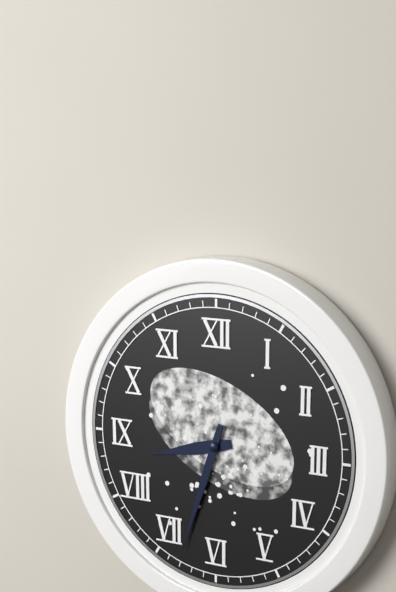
8:33
